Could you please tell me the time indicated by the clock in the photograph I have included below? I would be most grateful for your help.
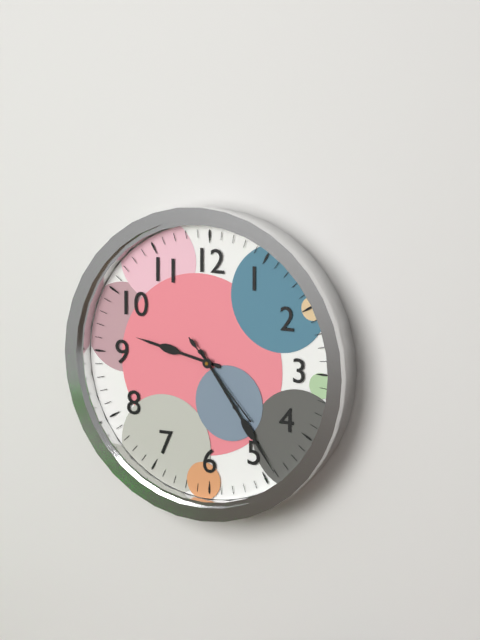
9:24:23
